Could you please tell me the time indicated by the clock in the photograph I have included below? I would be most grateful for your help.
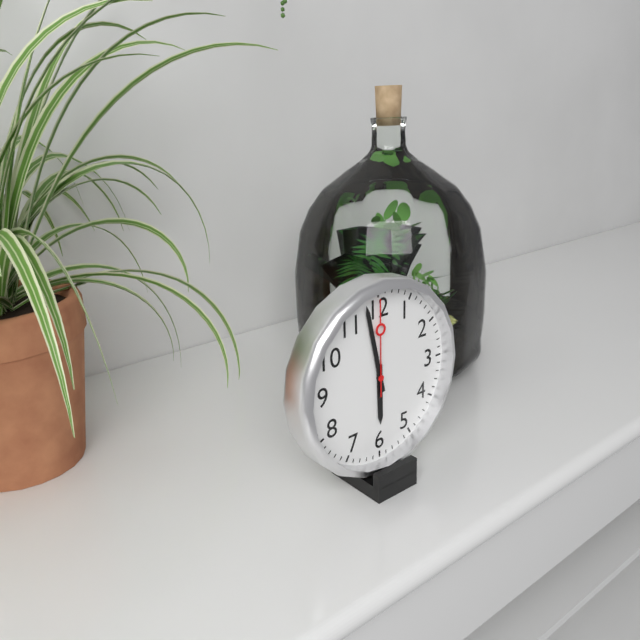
5:58:00
